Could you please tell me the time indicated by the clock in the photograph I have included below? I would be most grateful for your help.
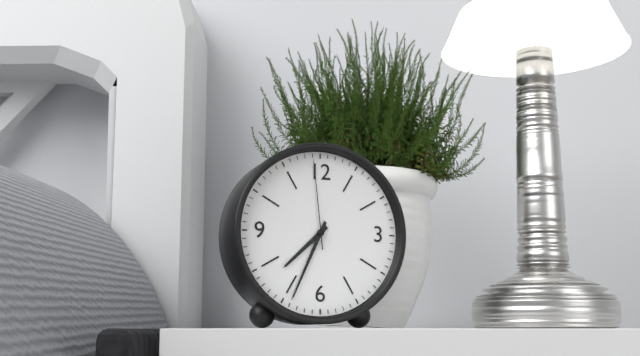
7:34:59
